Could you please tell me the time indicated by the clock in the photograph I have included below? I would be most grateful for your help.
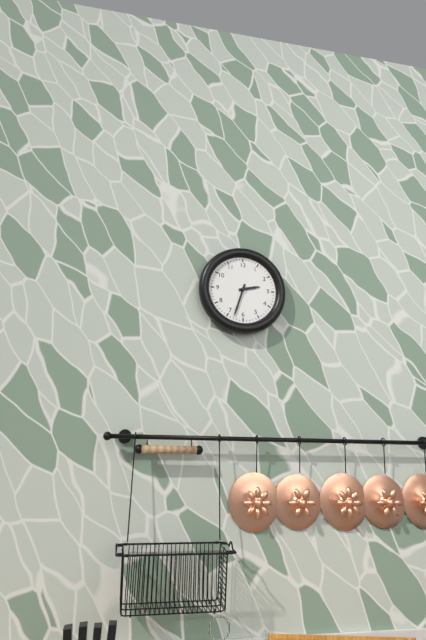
2:33
